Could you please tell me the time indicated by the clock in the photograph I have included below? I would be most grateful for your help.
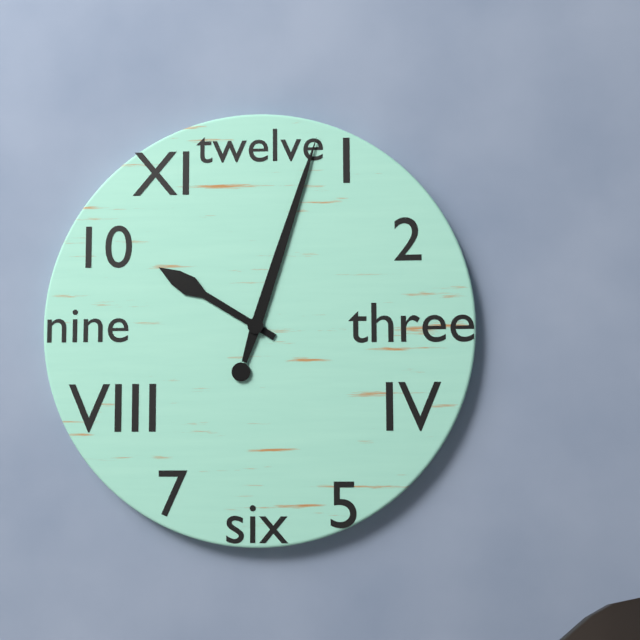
10:03
